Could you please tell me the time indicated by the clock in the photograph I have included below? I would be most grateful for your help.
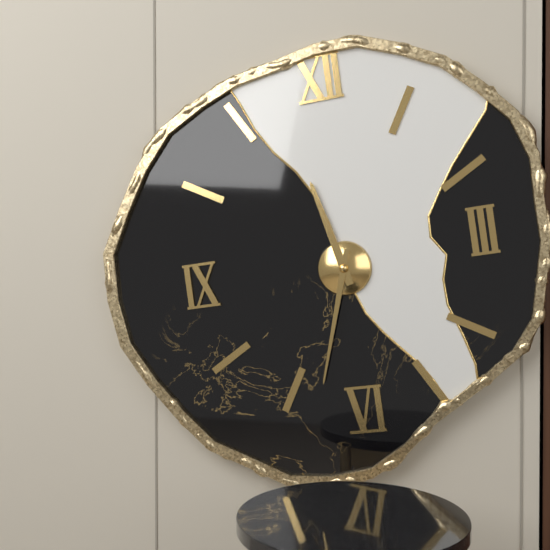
11:33
